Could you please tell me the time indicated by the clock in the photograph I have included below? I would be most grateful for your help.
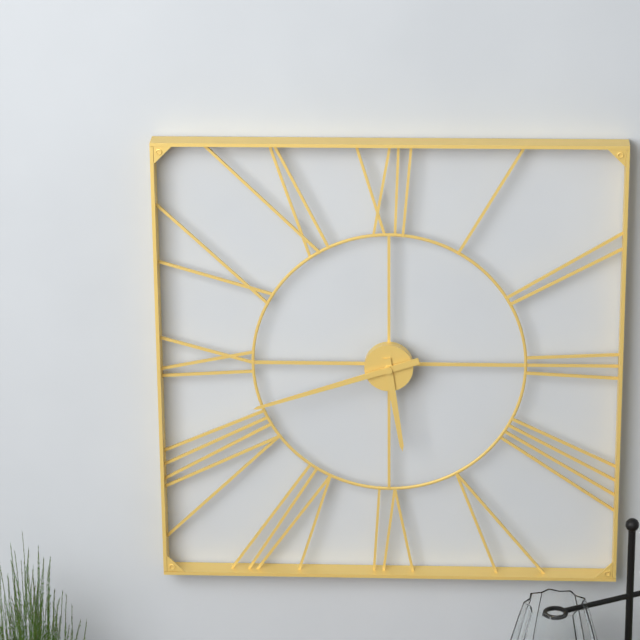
5:42
